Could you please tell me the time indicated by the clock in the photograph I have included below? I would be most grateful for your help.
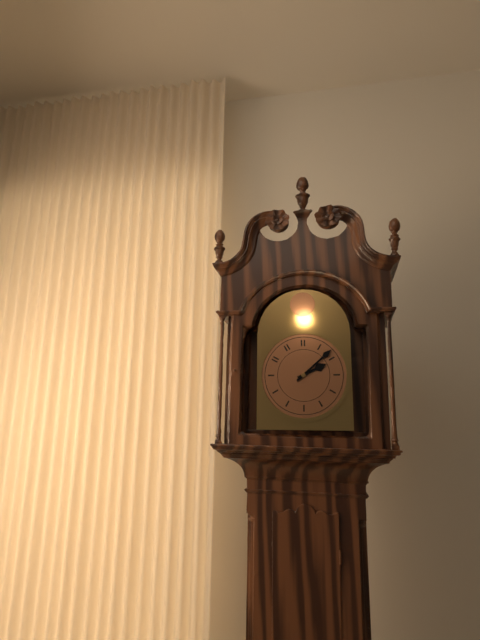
2:08
